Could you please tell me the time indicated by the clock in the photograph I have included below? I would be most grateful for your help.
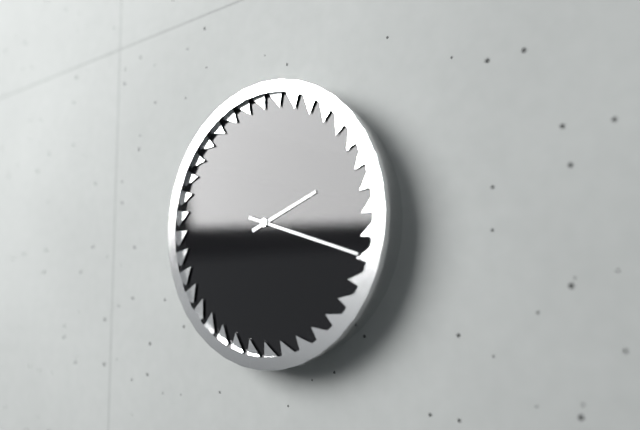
2:18
